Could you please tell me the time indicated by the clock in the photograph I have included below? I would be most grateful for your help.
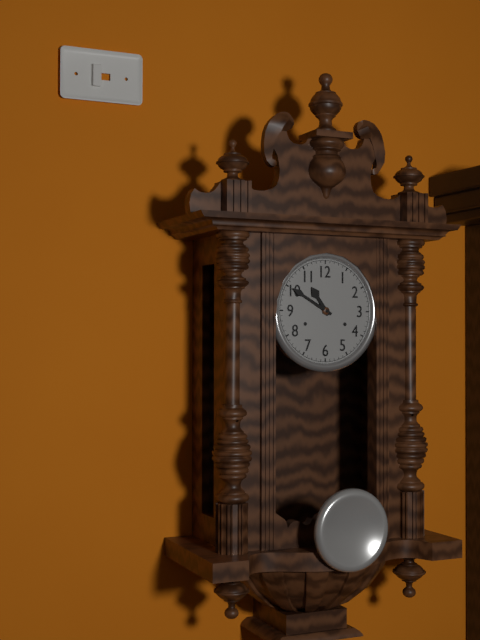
10:50
